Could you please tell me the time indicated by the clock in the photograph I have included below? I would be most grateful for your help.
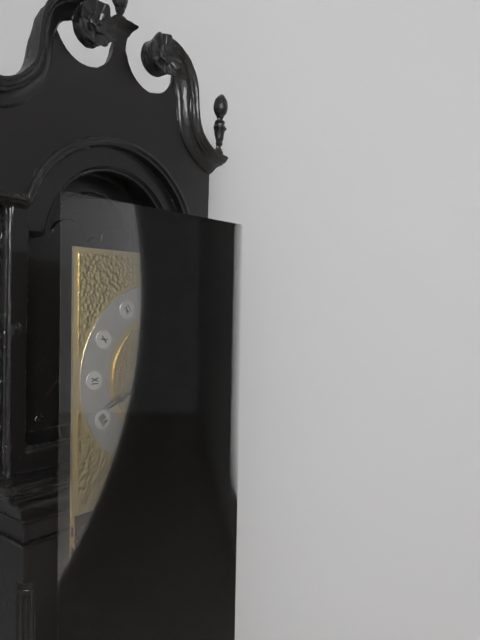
11:41
